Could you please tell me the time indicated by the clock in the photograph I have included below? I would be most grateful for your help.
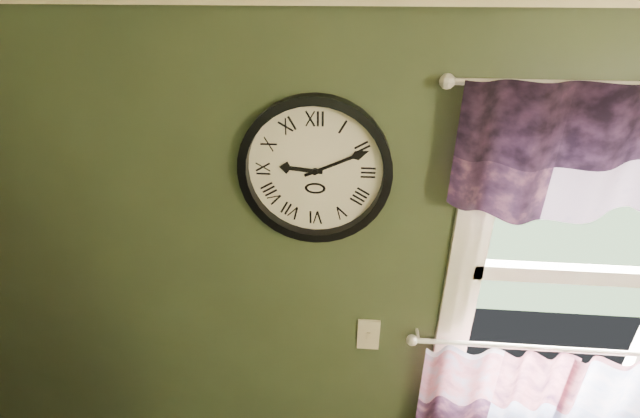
9:11
